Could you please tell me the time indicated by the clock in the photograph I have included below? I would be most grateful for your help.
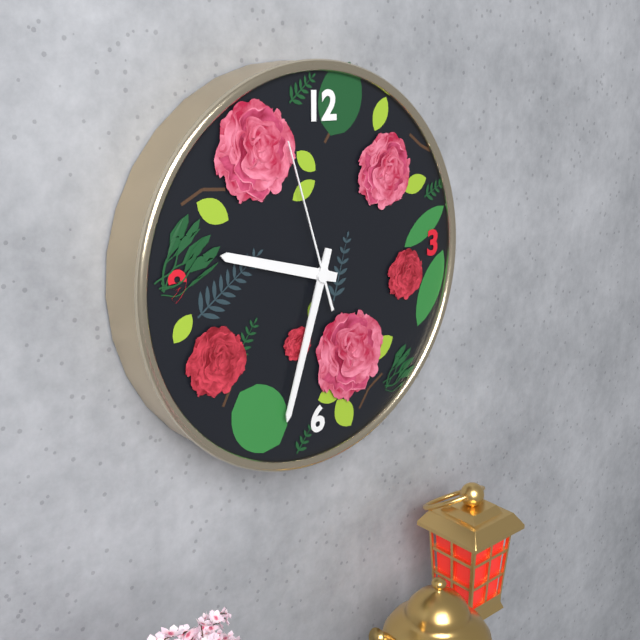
9:33:57
